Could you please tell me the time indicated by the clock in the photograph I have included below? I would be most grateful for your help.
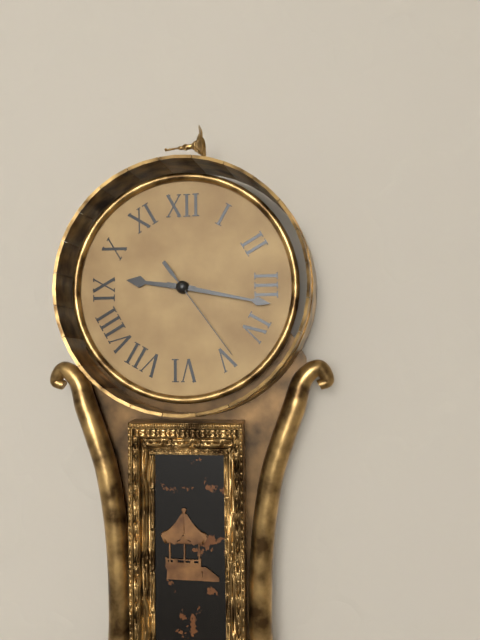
9:17:24
